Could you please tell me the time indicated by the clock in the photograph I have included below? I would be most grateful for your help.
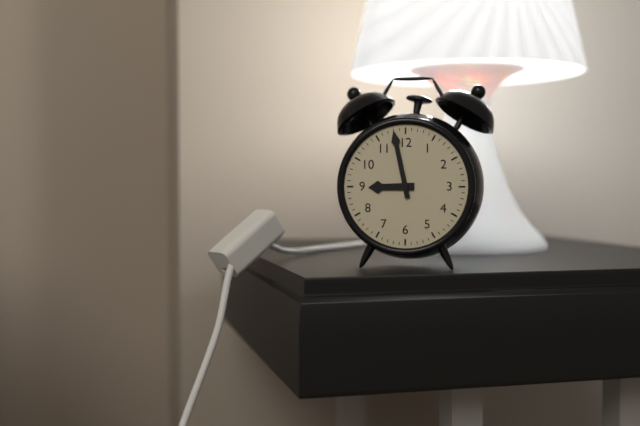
8:58
